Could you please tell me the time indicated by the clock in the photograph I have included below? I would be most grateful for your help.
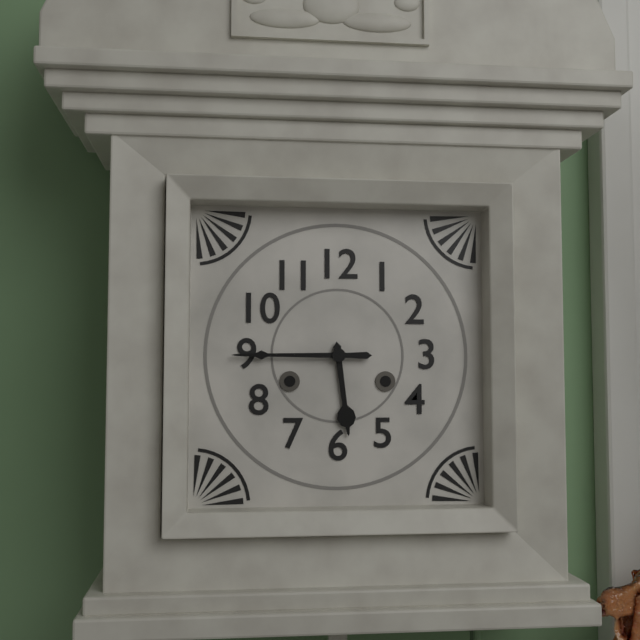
5:45
